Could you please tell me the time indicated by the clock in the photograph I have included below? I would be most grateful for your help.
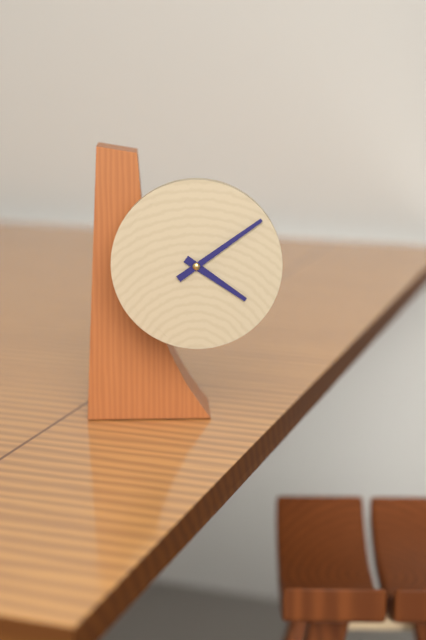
4:09
